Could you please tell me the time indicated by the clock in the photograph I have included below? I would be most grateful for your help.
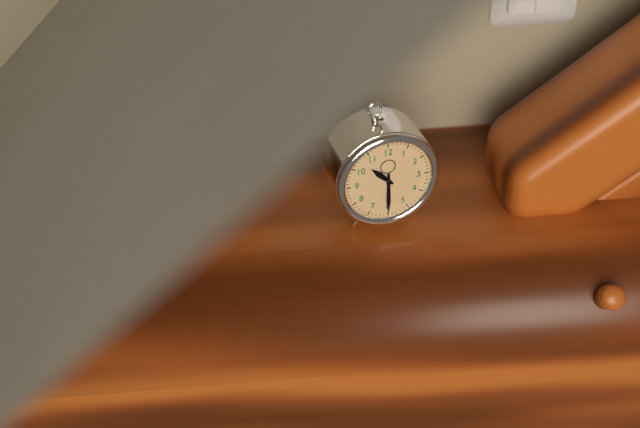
10:30
